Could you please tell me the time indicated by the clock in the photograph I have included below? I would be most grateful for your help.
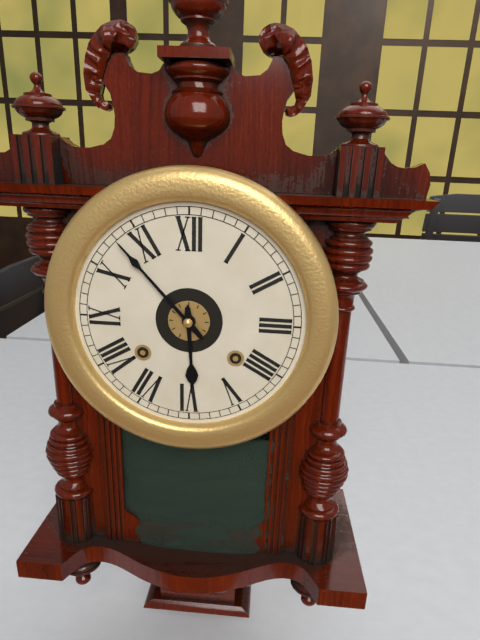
5:53
